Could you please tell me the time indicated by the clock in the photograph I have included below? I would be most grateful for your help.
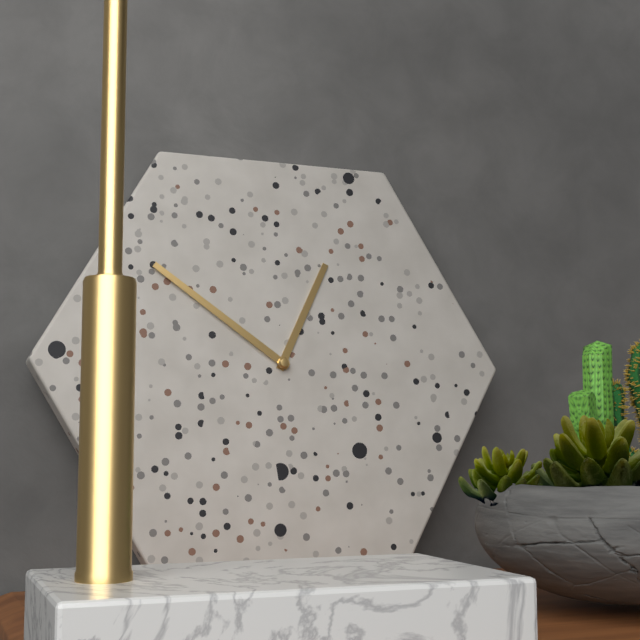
12:51
